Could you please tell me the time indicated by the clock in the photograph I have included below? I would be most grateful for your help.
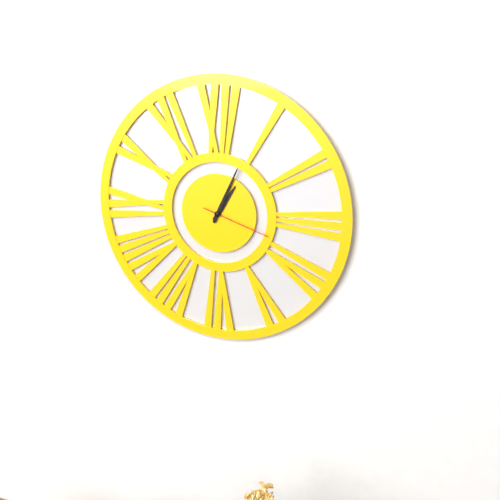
1:04:18
